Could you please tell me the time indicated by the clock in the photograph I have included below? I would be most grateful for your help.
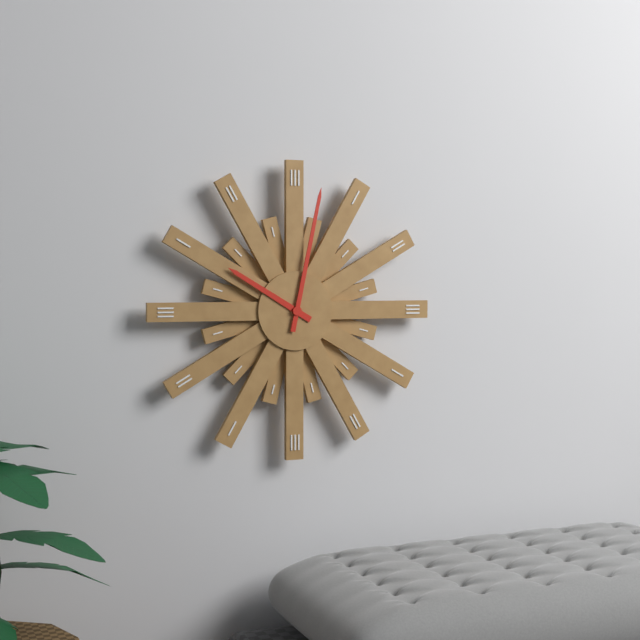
10:02
